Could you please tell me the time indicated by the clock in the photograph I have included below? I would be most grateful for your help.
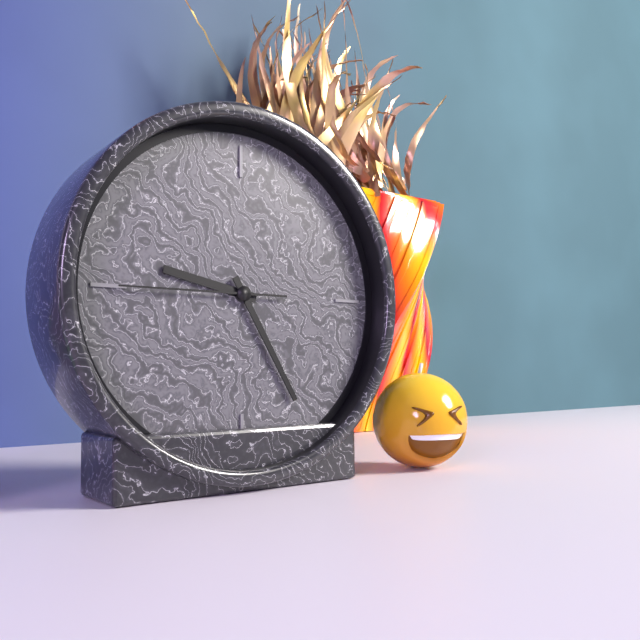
9:25:45
